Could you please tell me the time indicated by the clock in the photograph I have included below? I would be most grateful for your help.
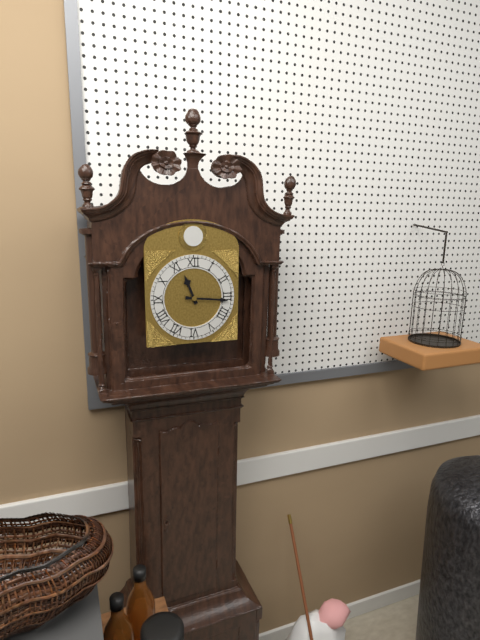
11:16
